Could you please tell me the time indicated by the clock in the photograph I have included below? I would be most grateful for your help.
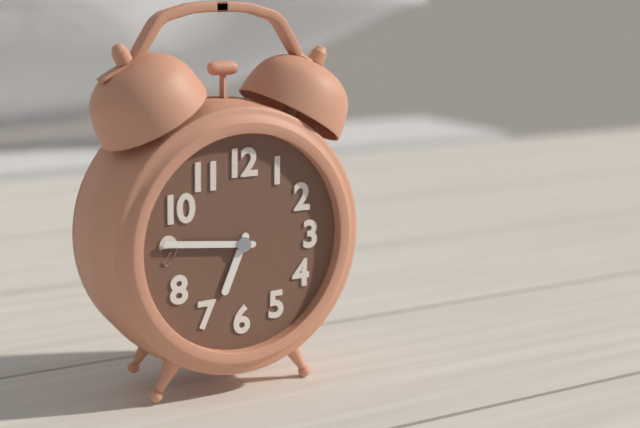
6:46
